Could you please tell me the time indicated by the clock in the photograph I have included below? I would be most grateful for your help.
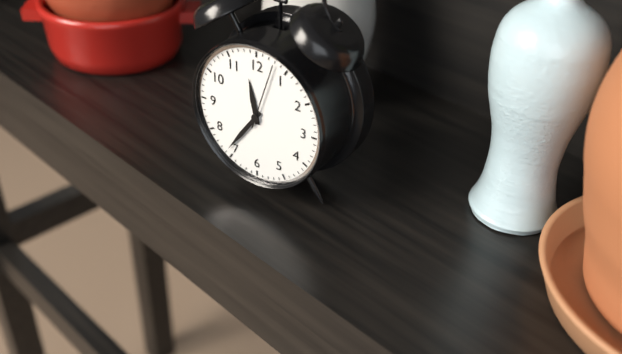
11:36:03
